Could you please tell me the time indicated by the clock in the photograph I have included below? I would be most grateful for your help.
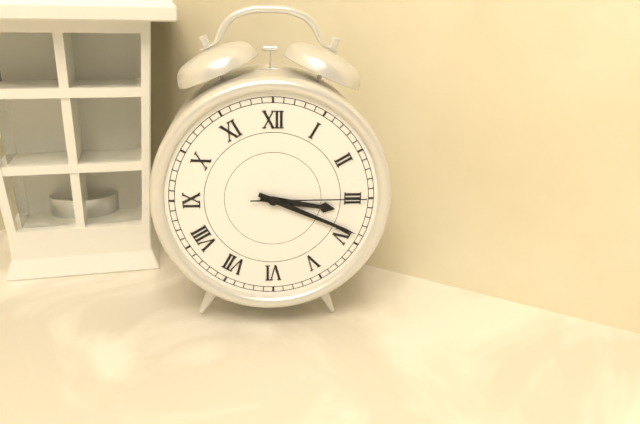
3:19:15
